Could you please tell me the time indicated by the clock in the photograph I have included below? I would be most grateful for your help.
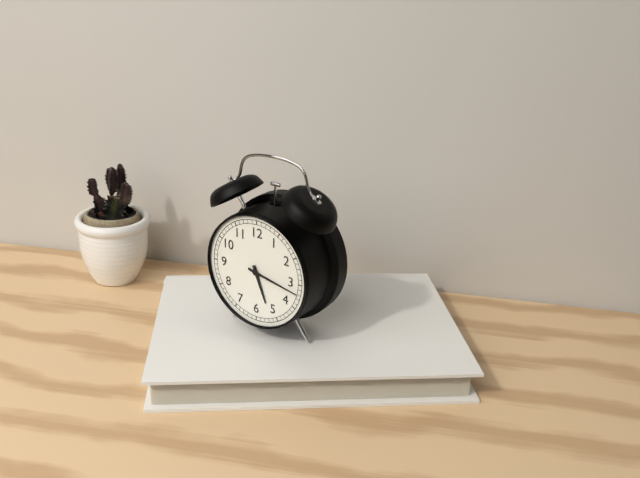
5:17
